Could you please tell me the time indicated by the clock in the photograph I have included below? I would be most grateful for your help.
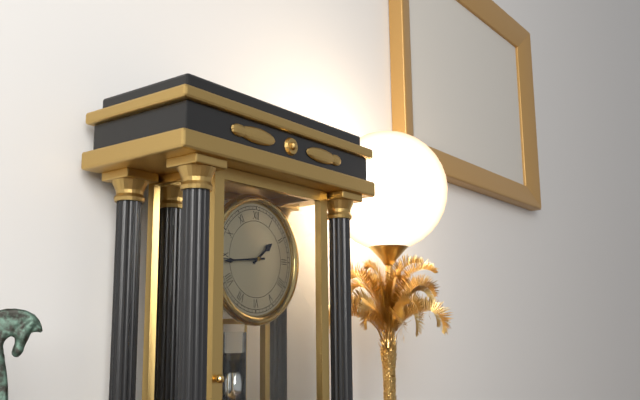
1:44
